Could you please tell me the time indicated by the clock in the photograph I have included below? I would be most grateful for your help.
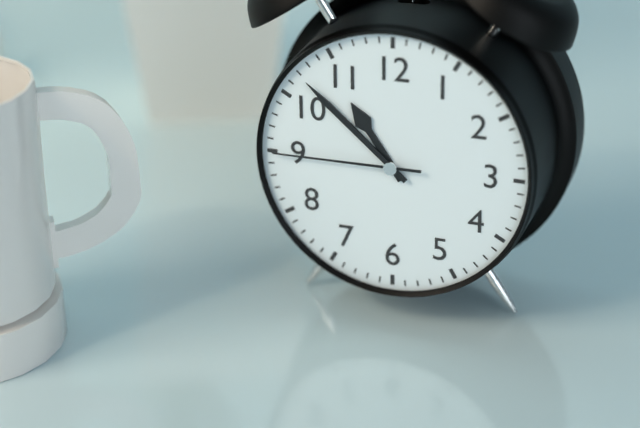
10:52:45
